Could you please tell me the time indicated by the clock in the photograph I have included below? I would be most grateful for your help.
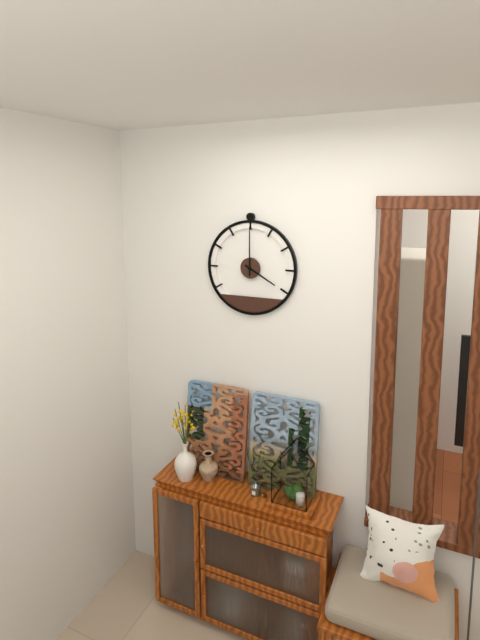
4:00
